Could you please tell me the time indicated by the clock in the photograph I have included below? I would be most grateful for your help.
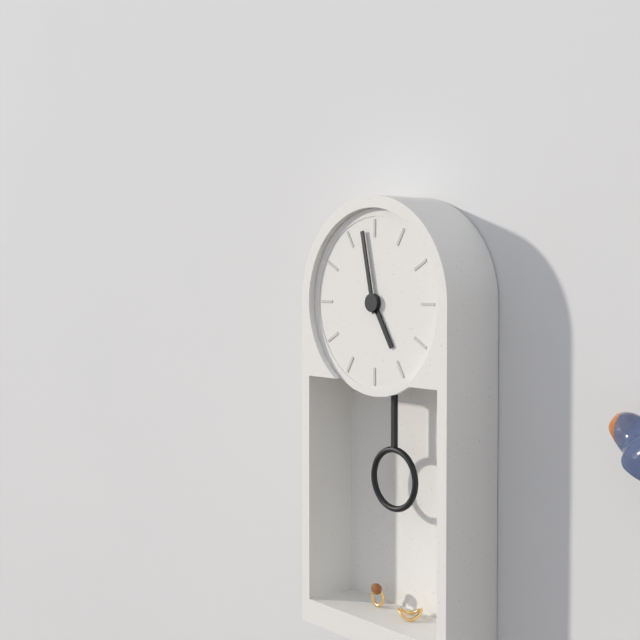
4:58
